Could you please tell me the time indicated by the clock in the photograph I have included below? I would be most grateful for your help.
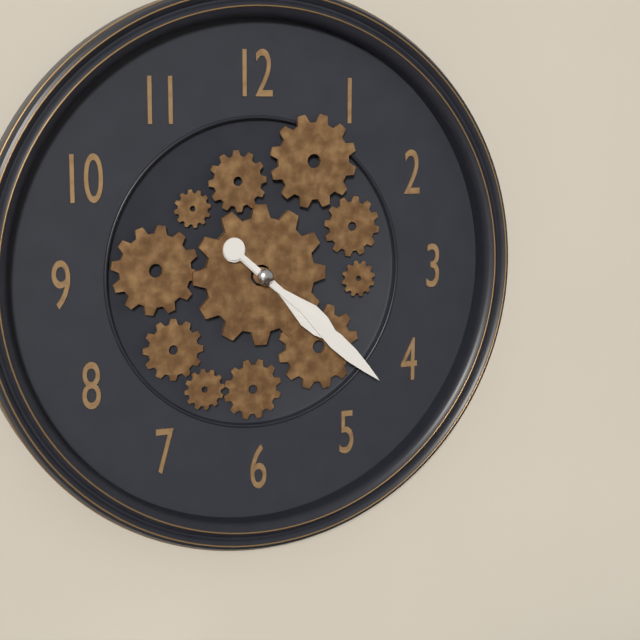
4:22
